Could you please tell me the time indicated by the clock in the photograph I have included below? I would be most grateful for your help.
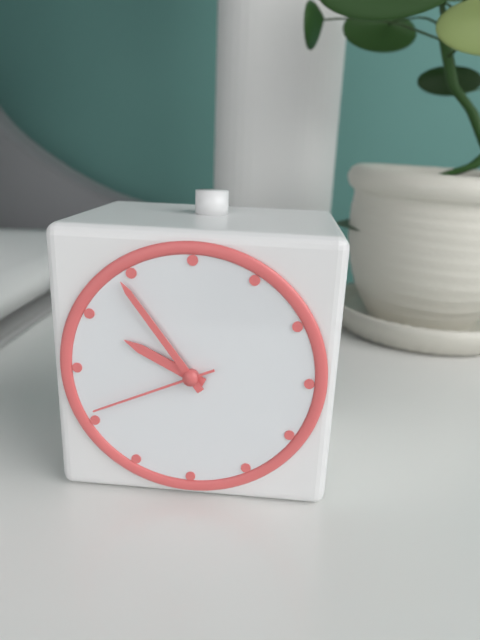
9:54:41
